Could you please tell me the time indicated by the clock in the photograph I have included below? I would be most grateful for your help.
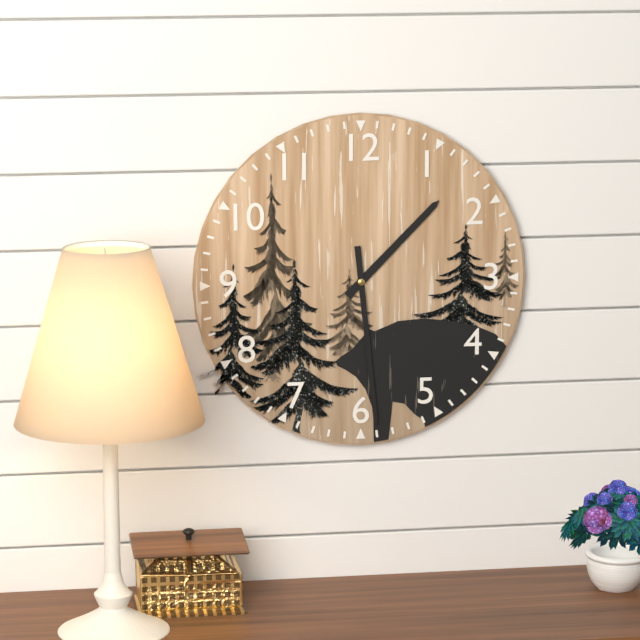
1:29
